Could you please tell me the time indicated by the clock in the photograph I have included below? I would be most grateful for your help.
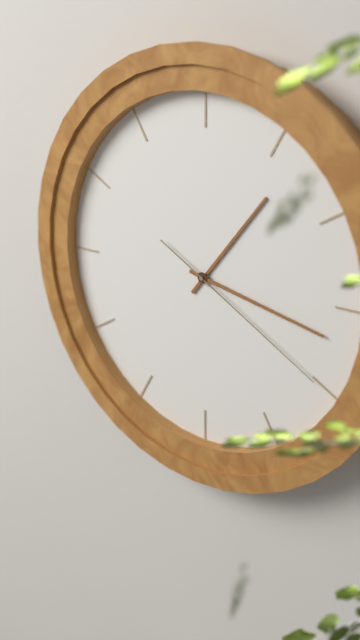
1:17:20
